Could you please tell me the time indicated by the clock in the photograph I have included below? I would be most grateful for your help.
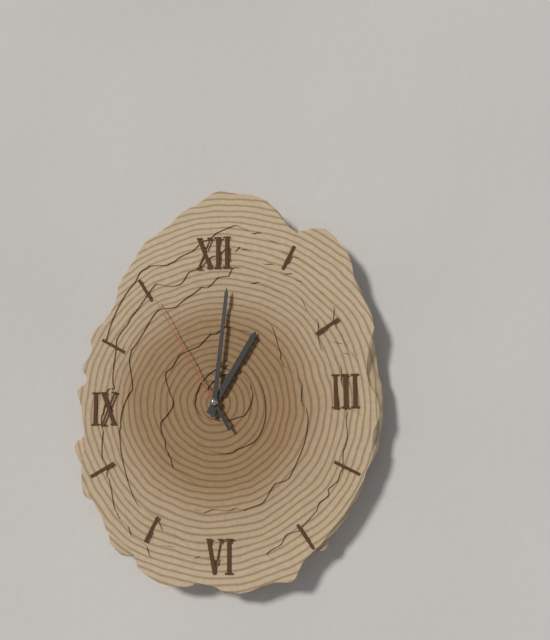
1:01:55
